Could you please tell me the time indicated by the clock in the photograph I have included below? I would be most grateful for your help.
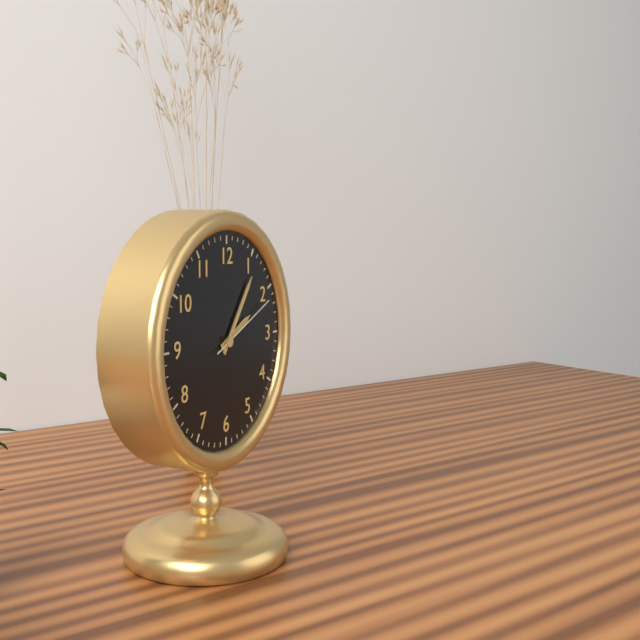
2:06:11
